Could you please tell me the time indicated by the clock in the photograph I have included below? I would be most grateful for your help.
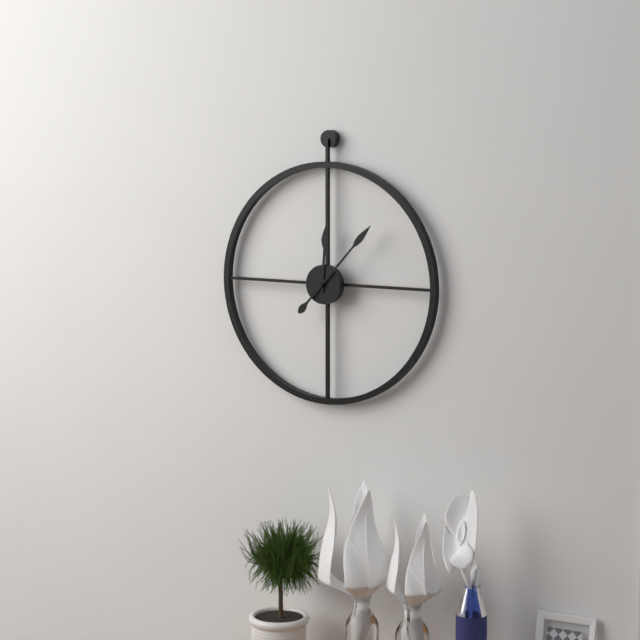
12:07
